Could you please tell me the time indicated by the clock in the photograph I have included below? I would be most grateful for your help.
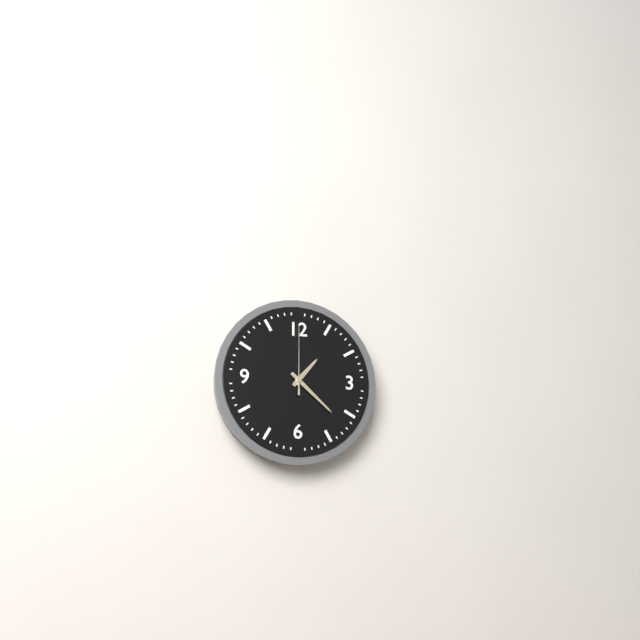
1:22:00
